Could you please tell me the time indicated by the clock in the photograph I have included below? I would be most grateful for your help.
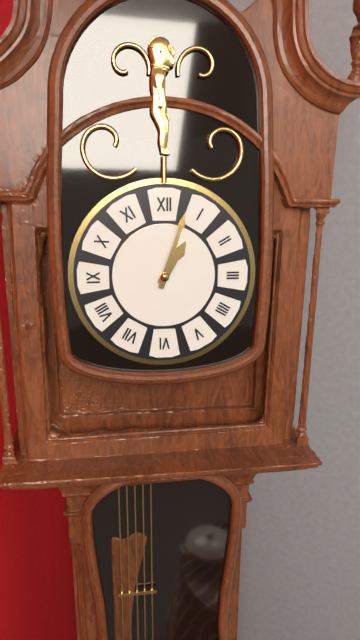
1:03
